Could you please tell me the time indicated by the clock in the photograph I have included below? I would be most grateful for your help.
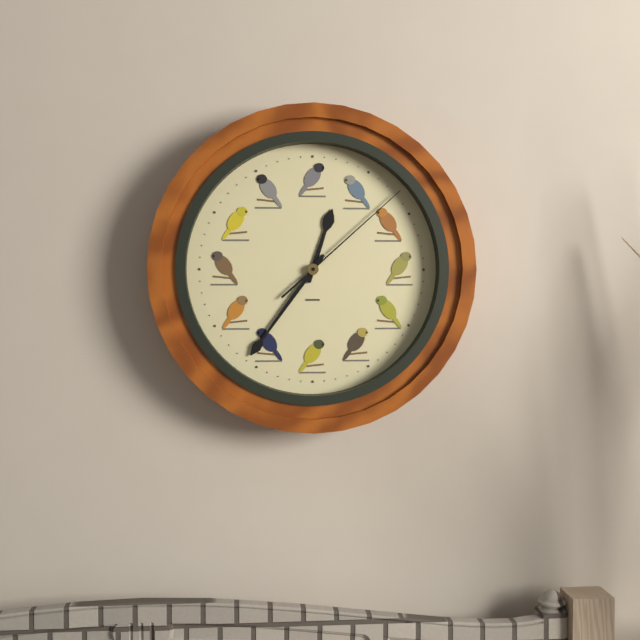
12:36:08
